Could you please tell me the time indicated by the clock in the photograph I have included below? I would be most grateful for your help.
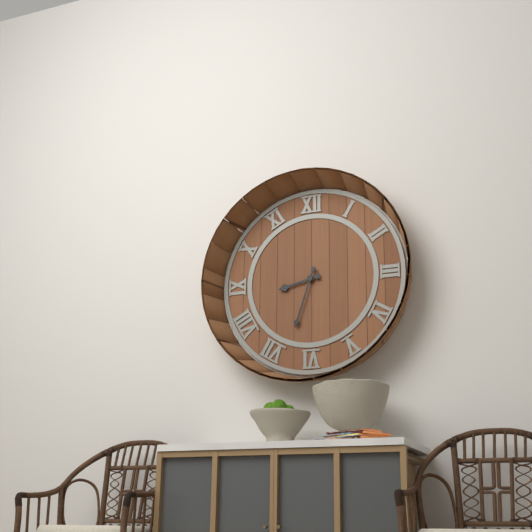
8:33
